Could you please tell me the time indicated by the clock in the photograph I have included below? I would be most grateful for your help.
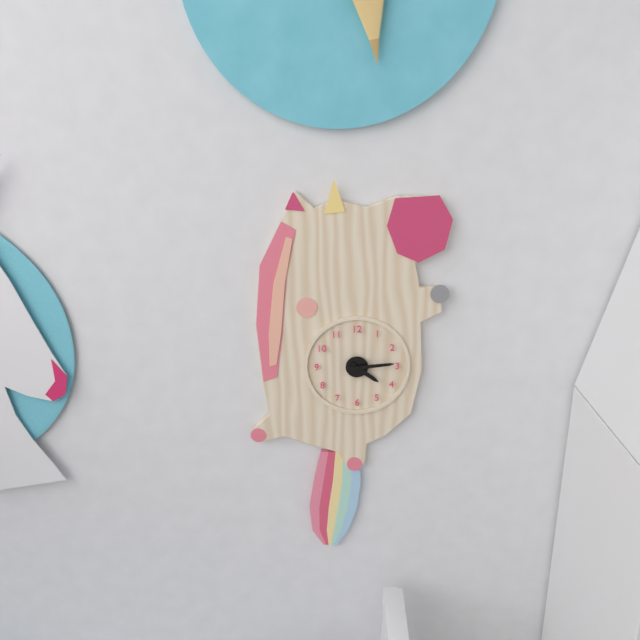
4:14
